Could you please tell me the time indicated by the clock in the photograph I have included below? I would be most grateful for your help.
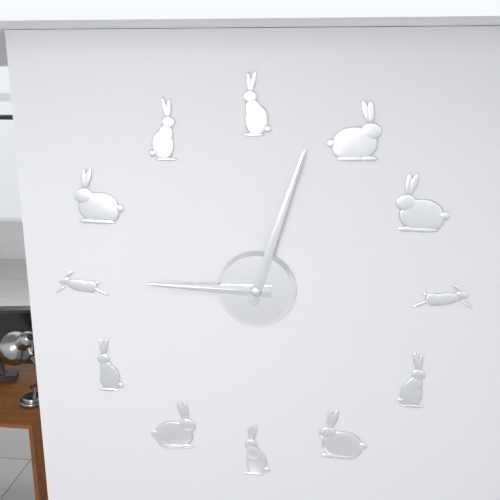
9:03
